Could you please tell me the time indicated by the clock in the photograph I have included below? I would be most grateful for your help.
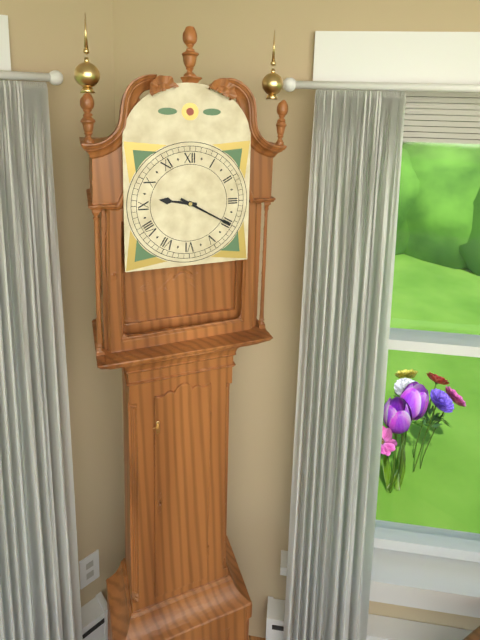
9:20
